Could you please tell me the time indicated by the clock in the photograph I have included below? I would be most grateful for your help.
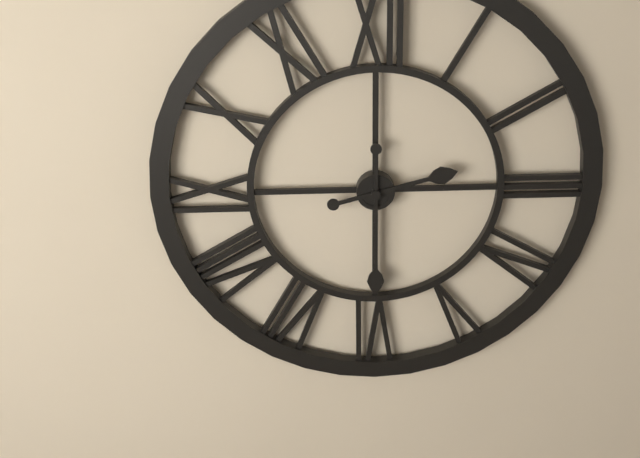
2:30
